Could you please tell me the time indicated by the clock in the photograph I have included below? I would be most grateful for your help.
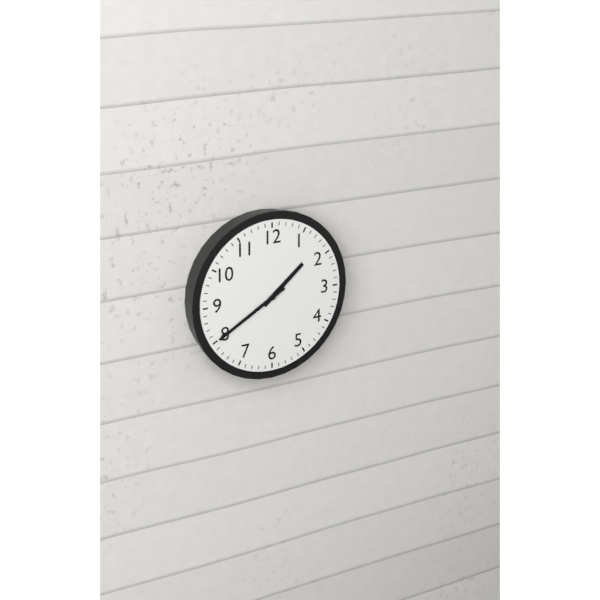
1:40
